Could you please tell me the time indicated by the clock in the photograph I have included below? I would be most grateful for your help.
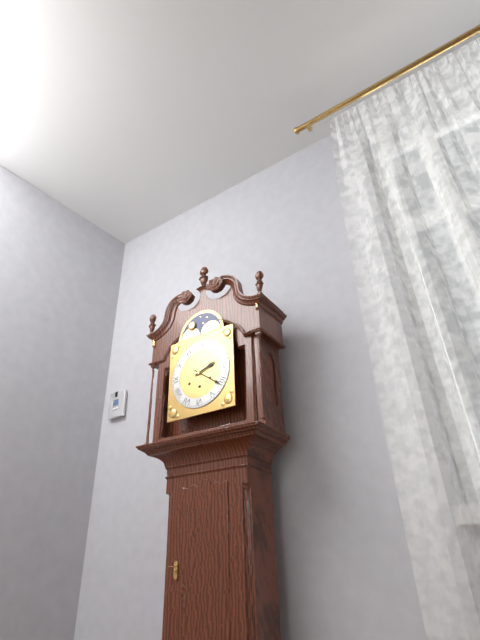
2:21
